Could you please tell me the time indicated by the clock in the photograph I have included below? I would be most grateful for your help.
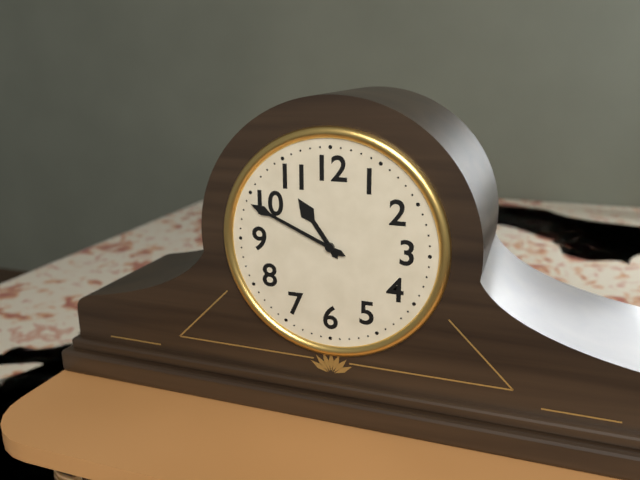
10:49
